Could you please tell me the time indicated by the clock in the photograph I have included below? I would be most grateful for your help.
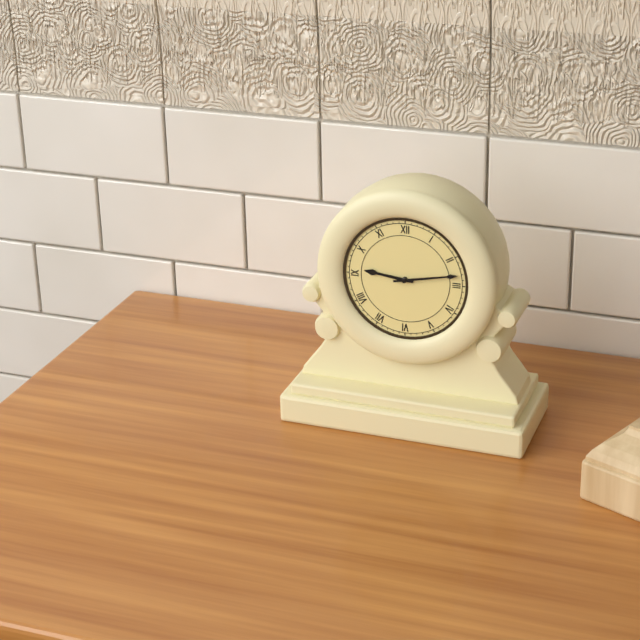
9:13
